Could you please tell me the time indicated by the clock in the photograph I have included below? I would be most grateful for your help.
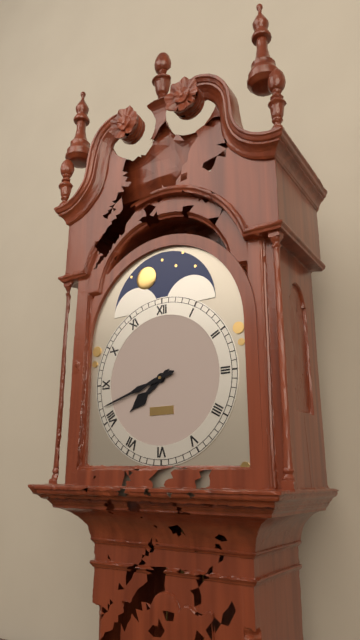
7:42
